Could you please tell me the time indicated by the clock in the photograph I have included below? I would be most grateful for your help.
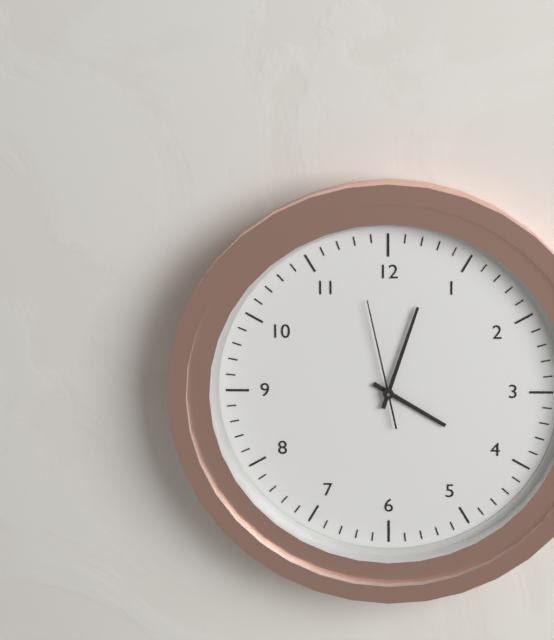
4:03:58
